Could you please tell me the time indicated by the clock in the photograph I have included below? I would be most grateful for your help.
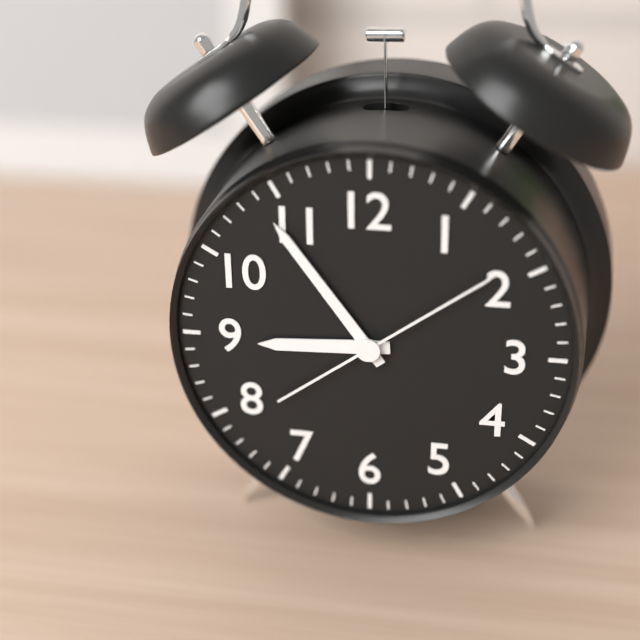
8:54:09
